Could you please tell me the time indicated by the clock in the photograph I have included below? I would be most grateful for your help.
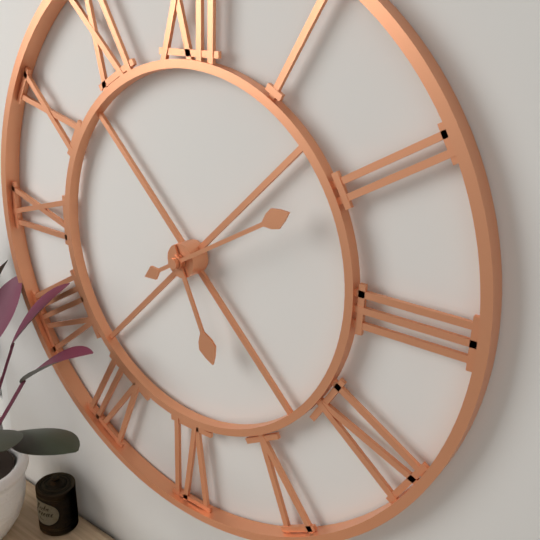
5:10
